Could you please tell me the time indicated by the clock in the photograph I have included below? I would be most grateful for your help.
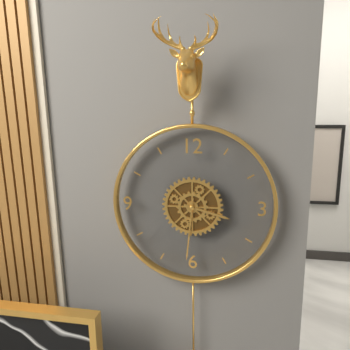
3:31
